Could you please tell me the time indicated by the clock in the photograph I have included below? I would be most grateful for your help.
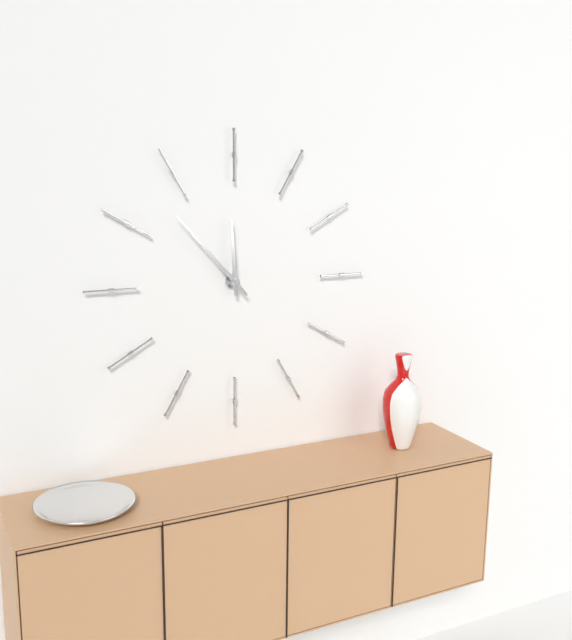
11:53
